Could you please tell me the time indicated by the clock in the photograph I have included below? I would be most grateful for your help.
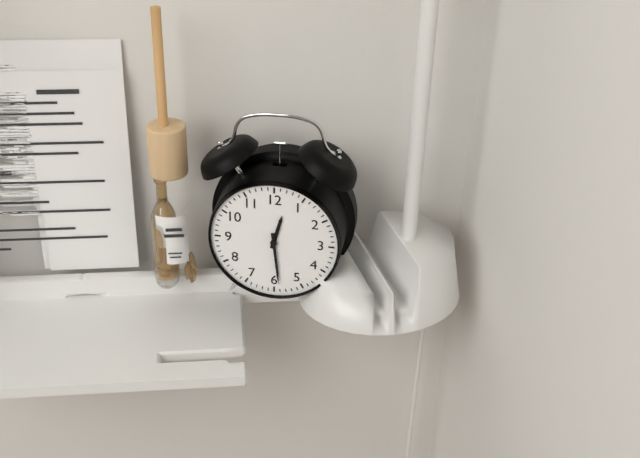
12:29
